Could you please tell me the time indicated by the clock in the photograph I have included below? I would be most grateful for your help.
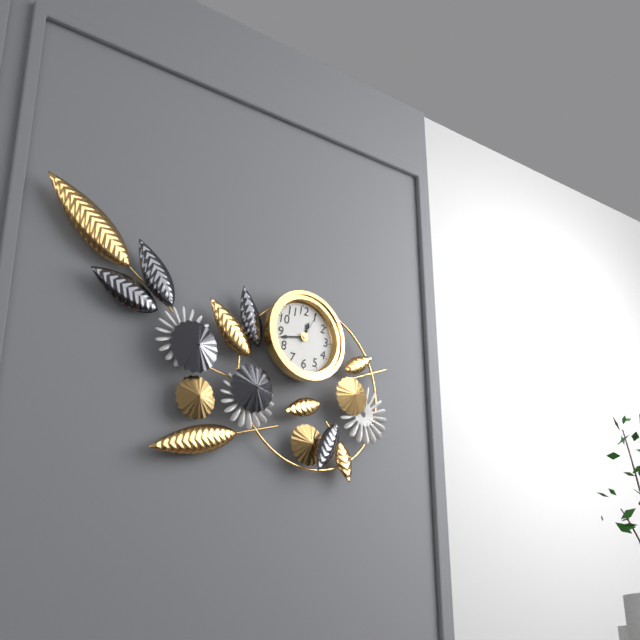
12:43
